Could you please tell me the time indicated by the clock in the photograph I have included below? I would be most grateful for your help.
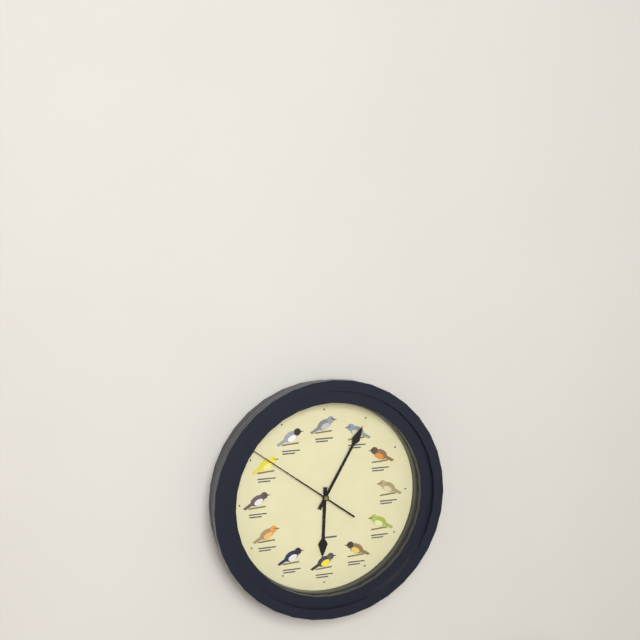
6:05:51
